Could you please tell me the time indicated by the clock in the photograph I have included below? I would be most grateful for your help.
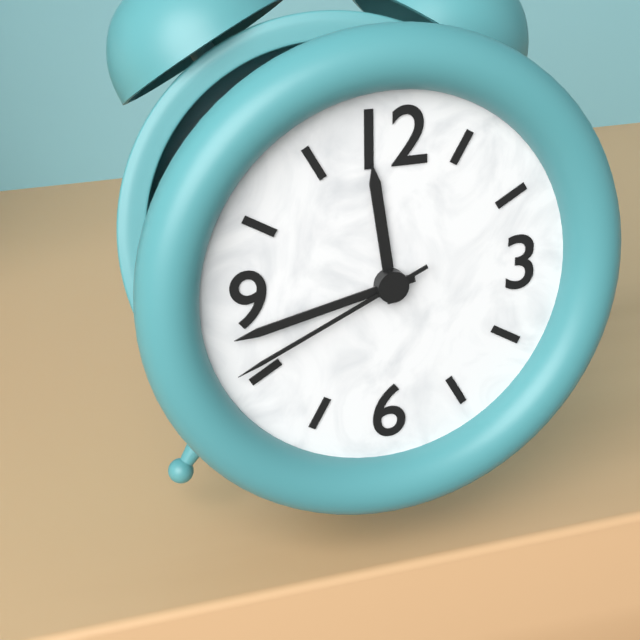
11:43:41
